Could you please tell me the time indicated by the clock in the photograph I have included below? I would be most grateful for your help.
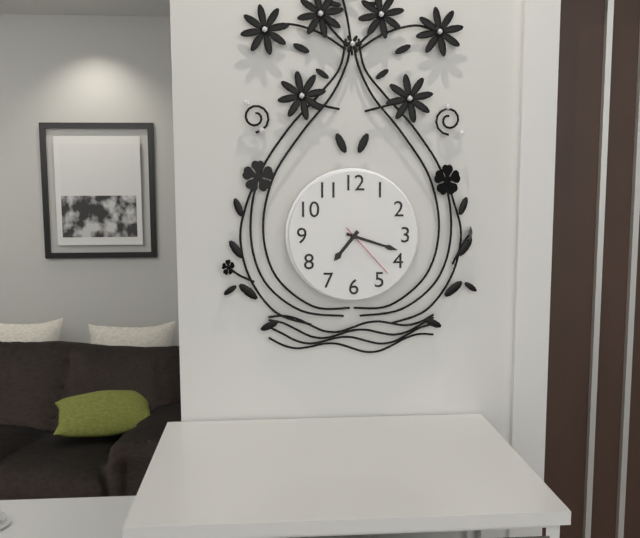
7:18:23
